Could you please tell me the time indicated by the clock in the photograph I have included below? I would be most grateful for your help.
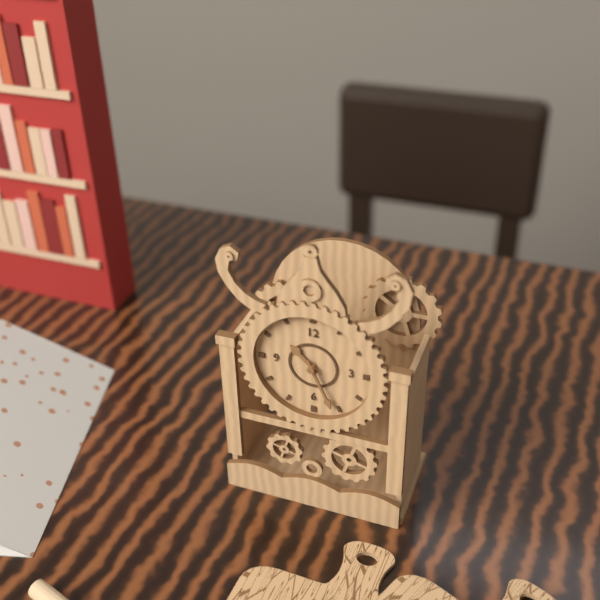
10:26
